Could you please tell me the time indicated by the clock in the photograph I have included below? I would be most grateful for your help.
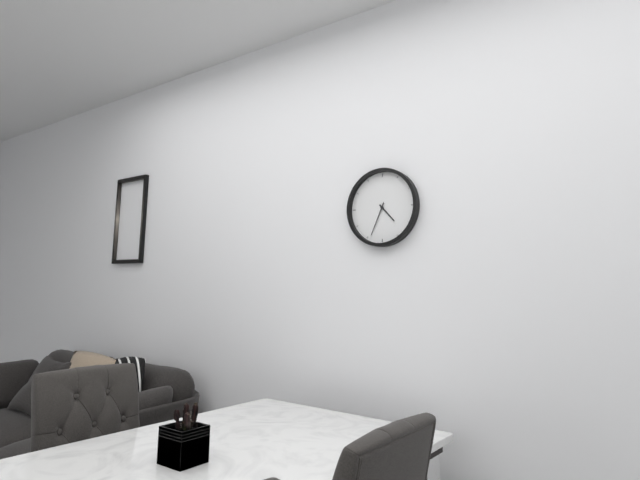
4:34
